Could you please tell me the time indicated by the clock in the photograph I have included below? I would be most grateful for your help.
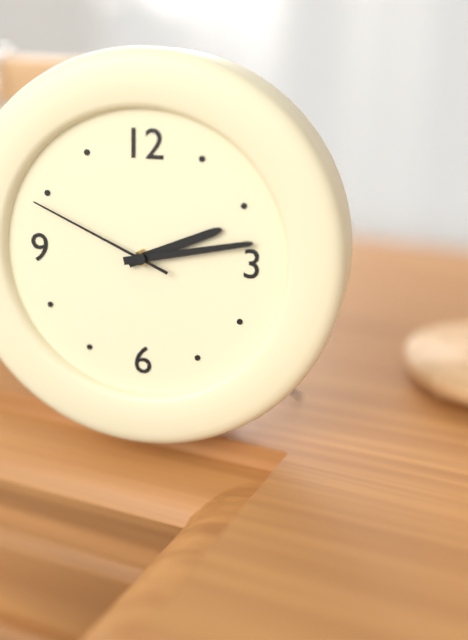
2:13:49
